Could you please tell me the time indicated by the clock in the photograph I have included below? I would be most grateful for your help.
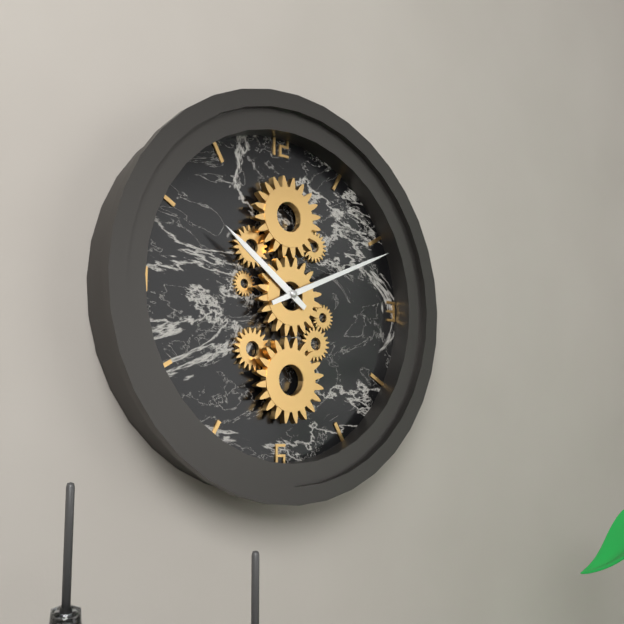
10:11
